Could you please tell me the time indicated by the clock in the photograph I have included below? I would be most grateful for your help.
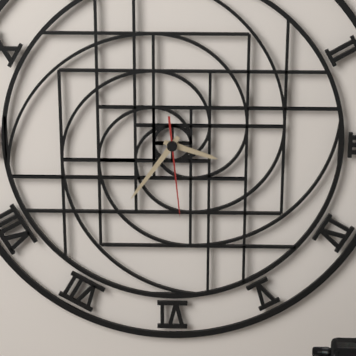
3:36:29
